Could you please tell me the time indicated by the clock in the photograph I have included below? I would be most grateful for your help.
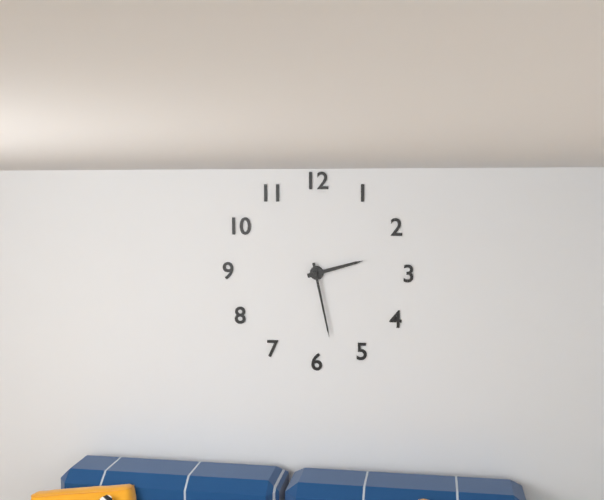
2:28
